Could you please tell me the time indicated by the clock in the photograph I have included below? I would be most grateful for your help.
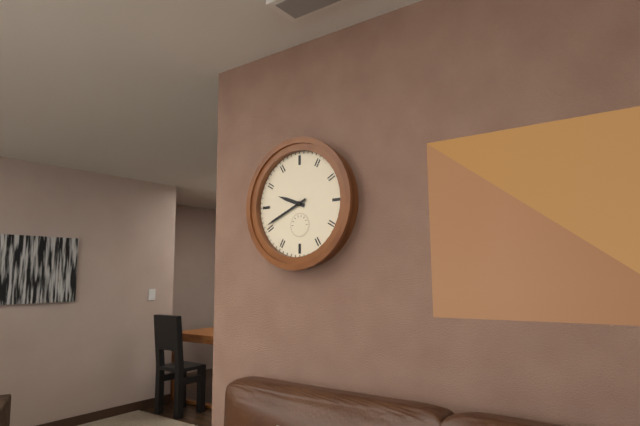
9:41
